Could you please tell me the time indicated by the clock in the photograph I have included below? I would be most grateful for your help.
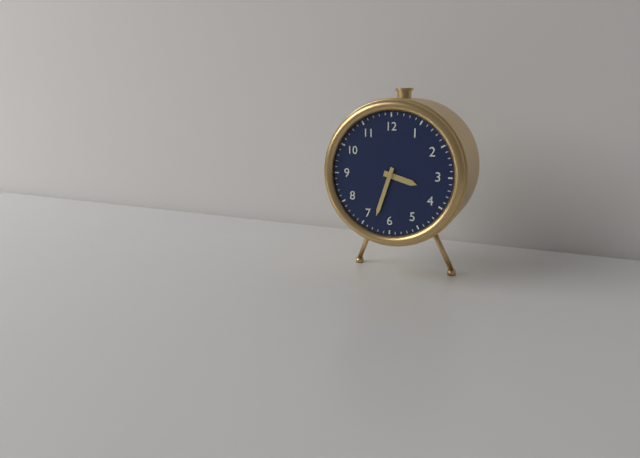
3:33
